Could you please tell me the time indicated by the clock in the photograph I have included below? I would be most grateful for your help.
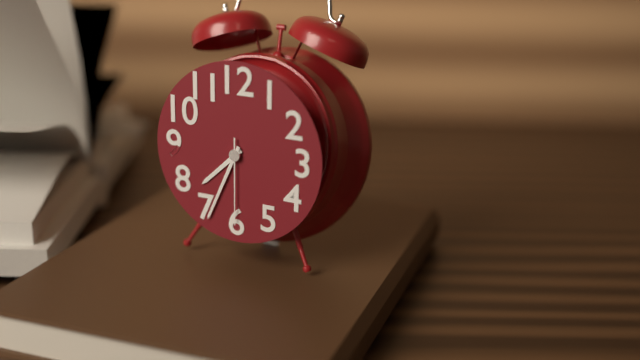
7:34:30
